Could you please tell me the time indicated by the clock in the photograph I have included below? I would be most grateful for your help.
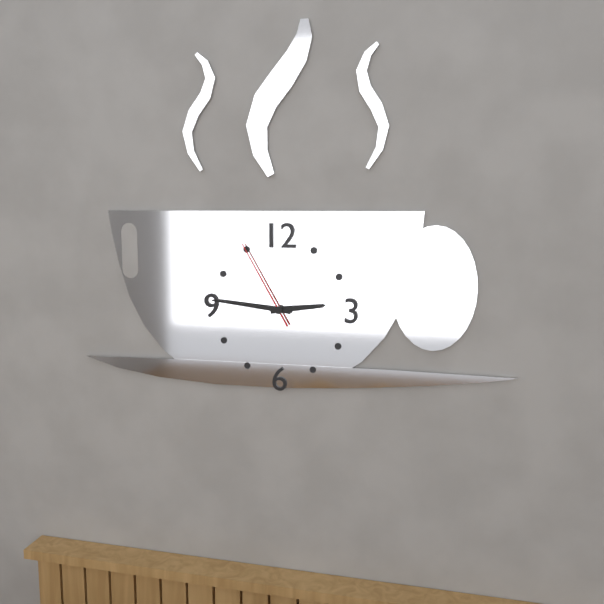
2:46:55
